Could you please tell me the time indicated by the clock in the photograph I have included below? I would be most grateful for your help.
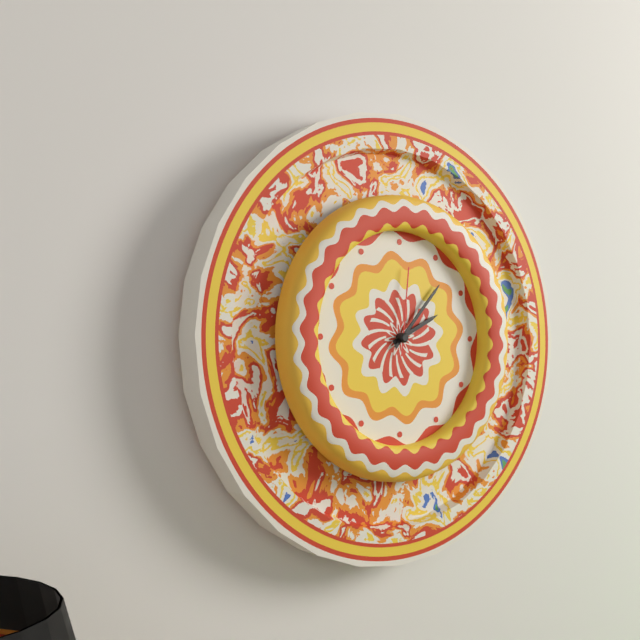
2:07:01
